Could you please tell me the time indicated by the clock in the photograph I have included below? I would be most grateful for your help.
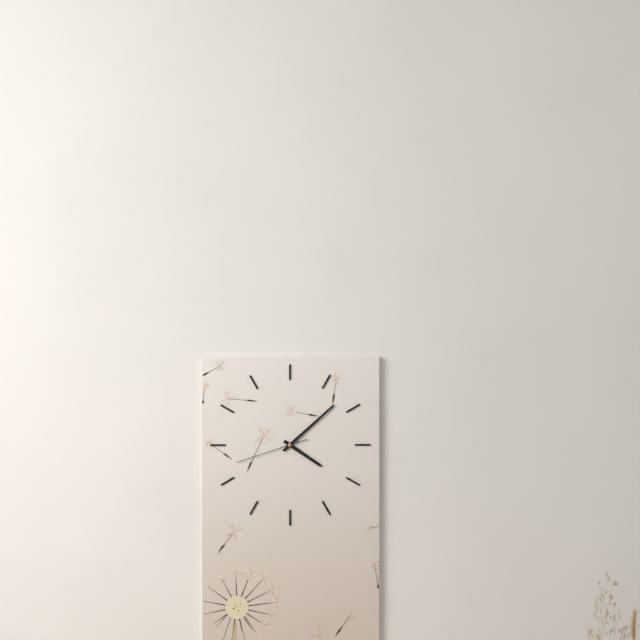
4:08:42
